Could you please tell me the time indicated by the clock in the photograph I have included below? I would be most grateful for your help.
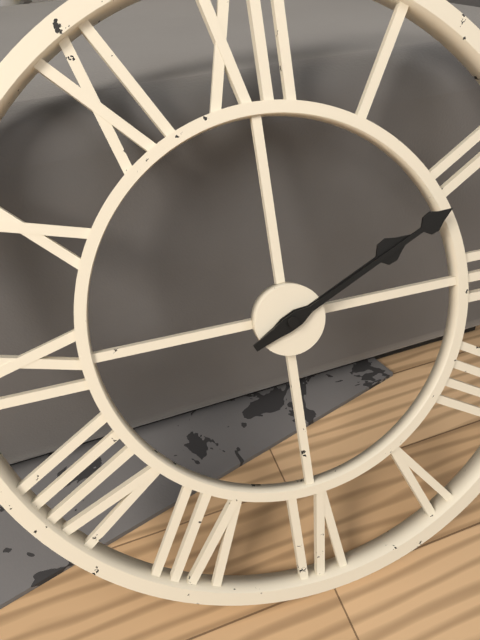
2:11
